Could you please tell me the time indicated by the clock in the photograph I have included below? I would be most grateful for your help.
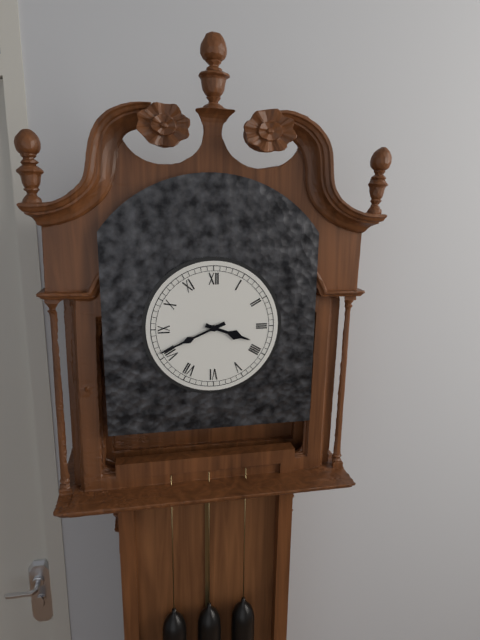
3:41
